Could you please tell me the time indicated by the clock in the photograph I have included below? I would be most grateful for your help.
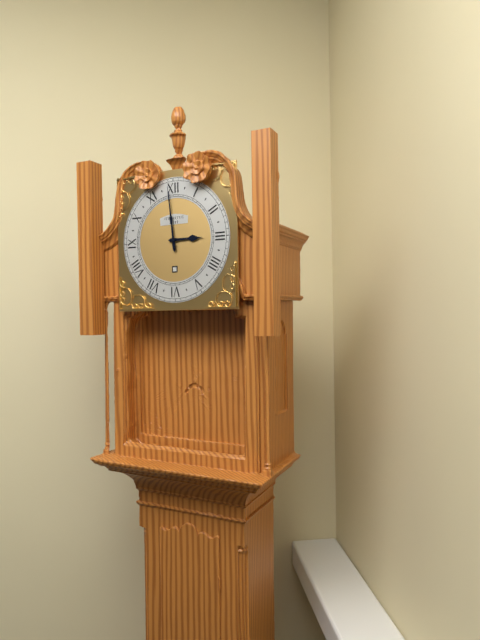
2:59
